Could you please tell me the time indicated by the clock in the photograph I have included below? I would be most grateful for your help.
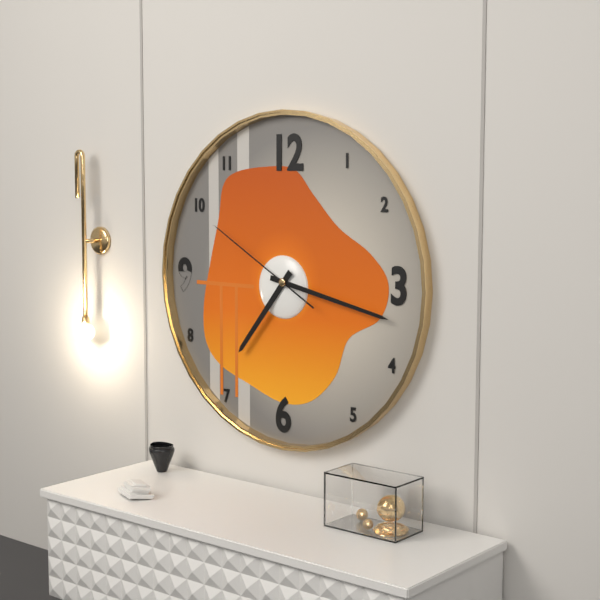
7:17:50
